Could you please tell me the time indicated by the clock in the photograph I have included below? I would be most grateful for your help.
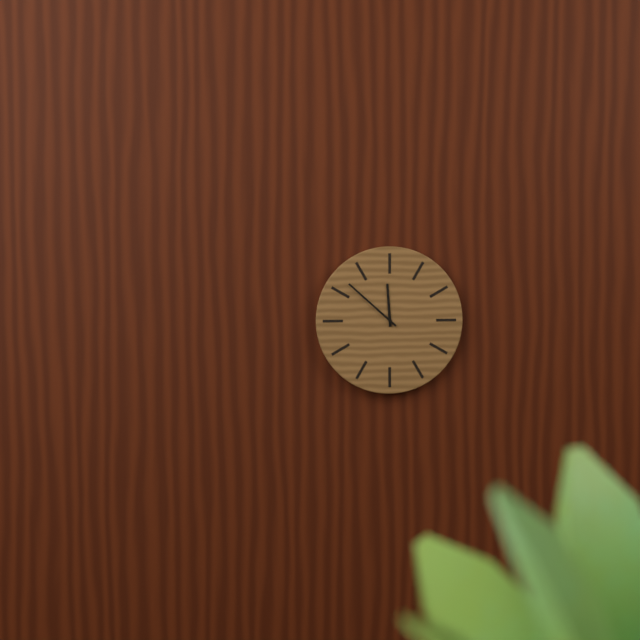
11:52
